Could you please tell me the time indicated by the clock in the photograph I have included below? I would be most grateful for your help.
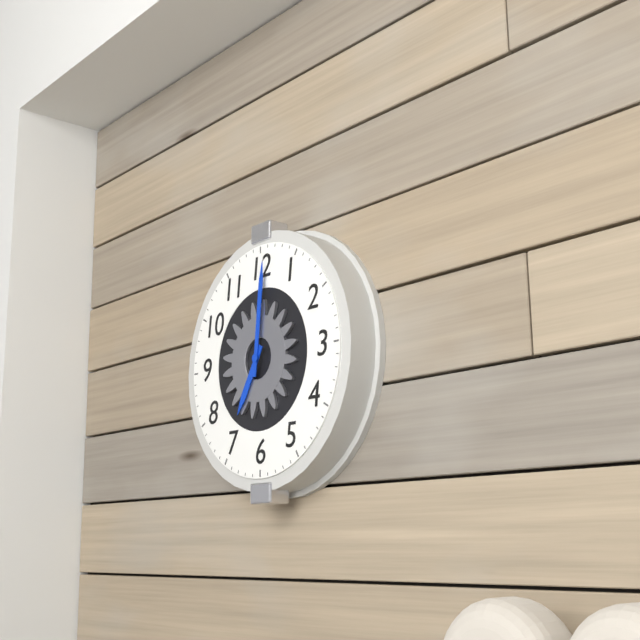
7:01
